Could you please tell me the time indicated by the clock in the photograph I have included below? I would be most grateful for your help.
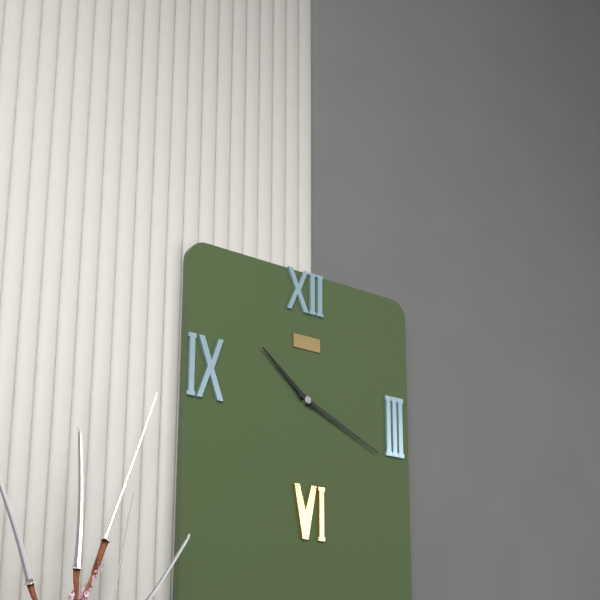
10:19
